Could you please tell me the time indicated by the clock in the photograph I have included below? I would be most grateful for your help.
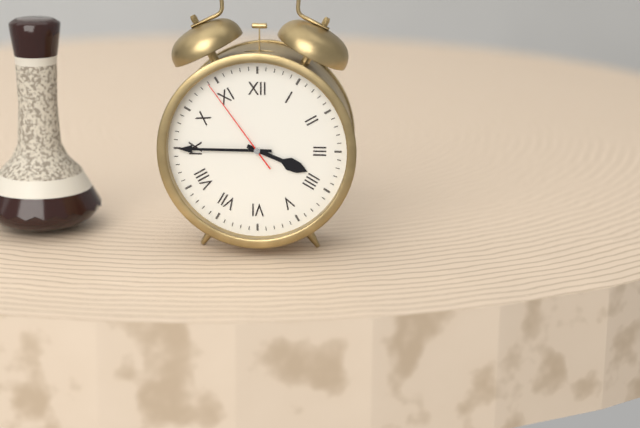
3:45:54
